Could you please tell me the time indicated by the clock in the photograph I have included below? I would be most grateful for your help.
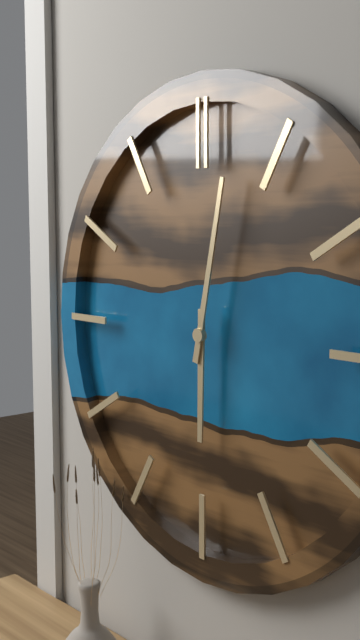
6:02
